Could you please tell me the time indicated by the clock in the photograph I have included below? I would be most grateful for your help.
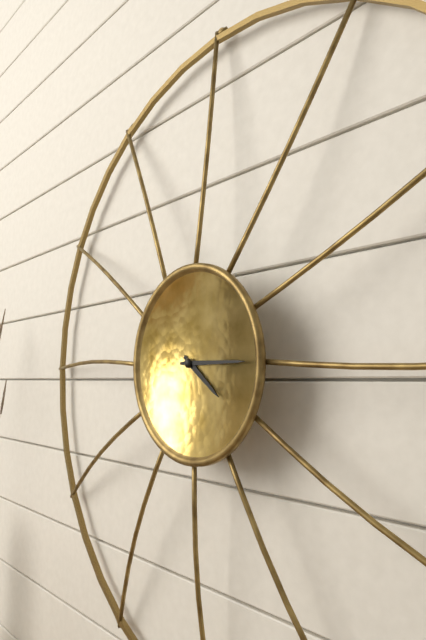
4:15
